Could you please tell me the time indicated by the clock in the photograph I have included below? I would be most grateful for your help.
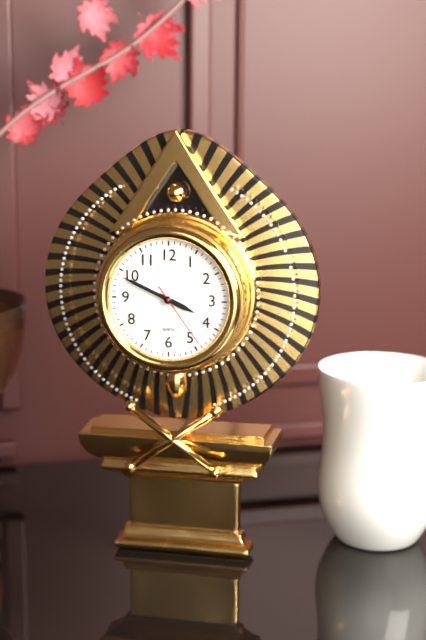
3:49:24
